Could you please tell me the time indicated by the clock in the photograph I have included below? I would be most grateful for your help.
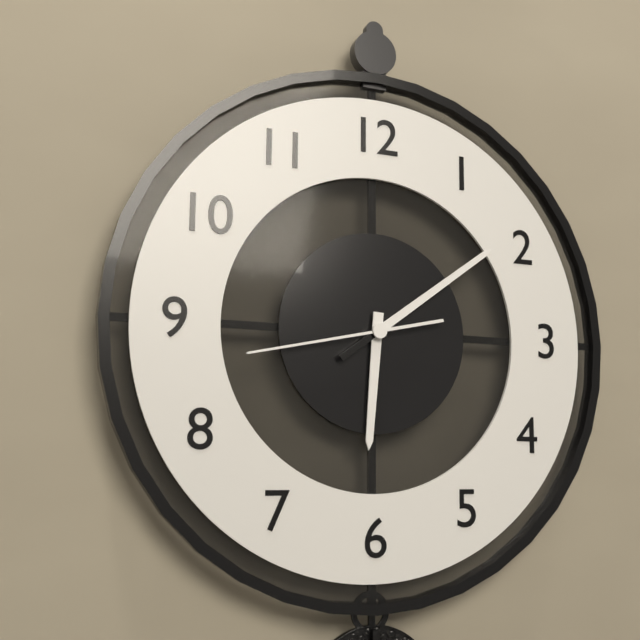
6:09:43
